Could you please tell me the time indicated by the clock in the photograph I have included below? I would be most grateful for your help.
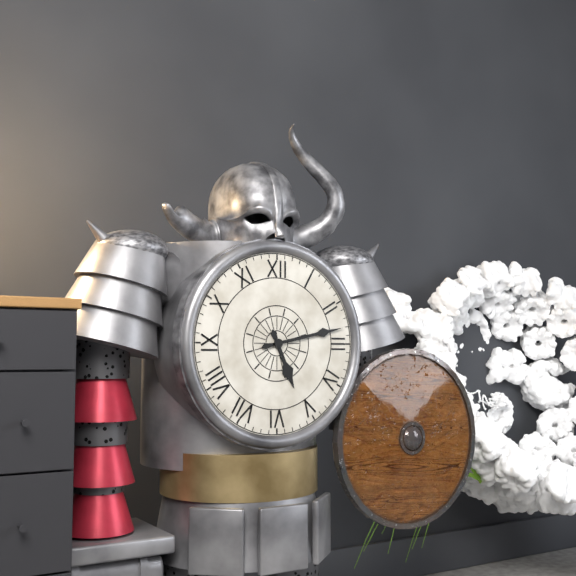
5:13
